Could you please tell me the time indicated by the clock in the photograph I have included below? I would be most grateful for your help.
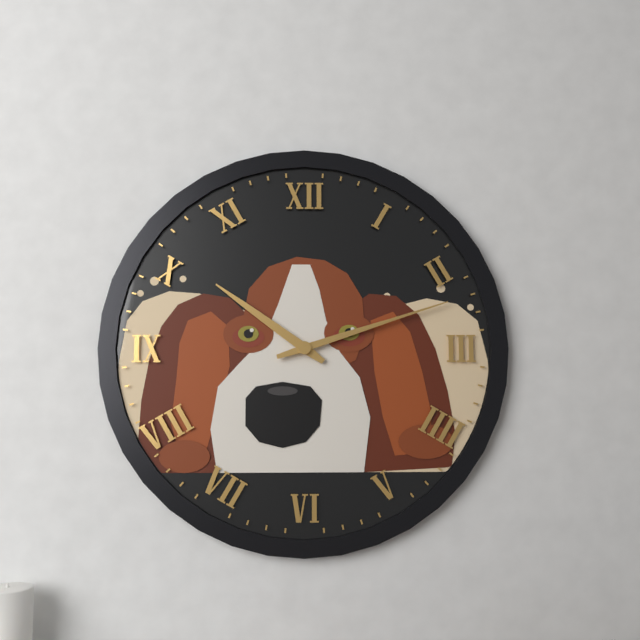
10:12
